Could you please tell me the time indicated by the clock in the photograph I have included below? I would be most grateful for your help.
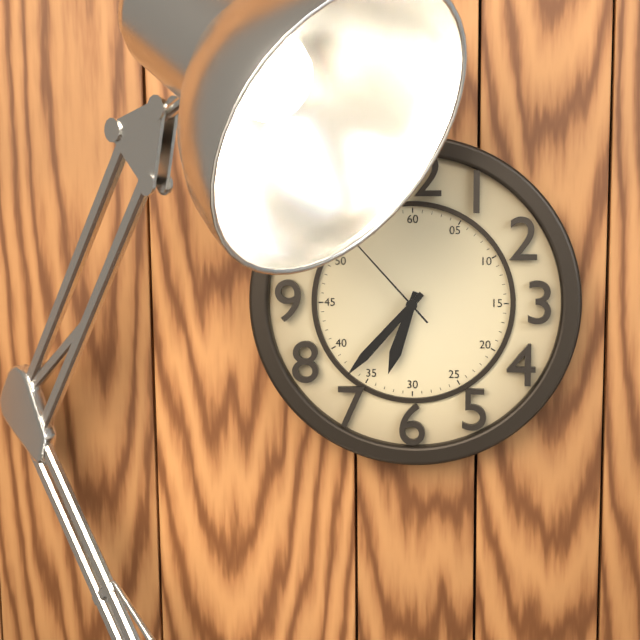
6:37:53
